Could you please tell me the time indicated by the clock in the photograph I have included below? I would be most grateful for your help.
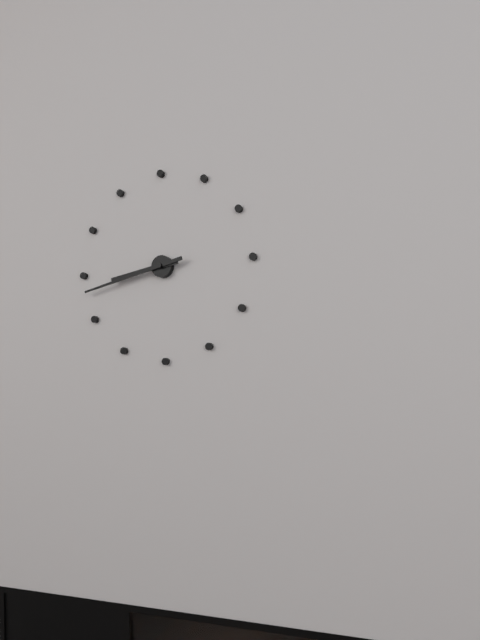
8:43
